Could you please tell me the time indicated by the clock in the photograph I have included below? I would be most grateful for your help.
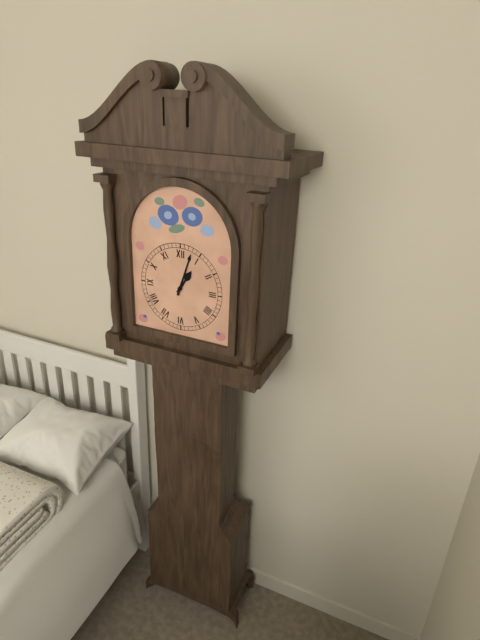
1:03
